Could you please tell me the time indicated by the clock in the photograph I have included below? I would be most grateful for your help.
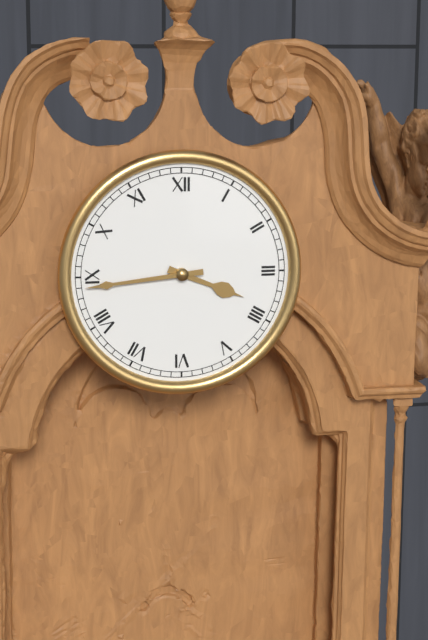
3:44
